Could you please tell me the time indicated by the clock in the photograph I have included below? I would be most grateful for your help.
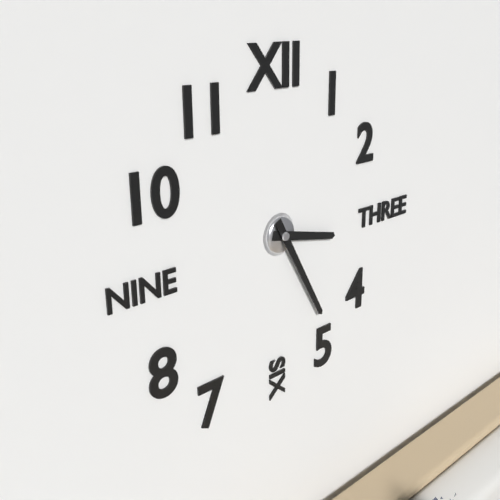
3:25
